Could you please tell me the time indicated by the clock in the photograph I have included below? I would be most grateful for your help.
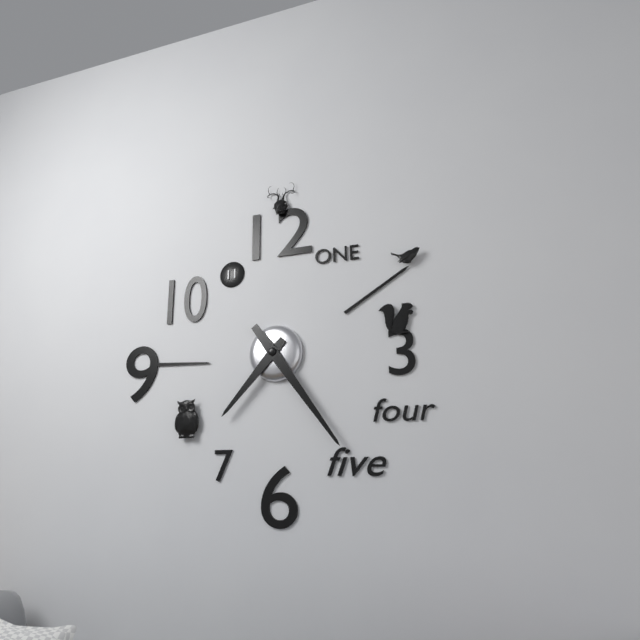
7:24
